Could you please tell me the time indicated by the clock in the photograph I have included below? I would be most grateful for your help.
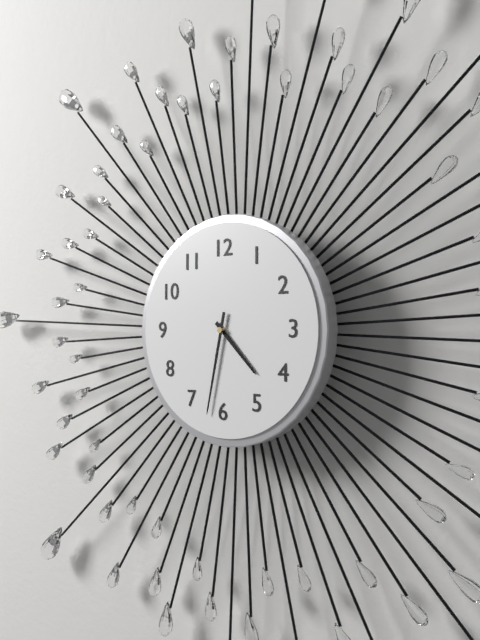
4:32
